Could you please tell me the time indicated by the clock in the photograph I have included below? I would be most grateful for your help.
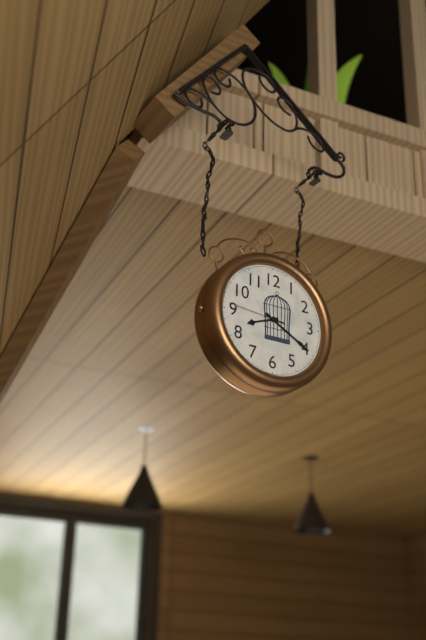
8:20:46
